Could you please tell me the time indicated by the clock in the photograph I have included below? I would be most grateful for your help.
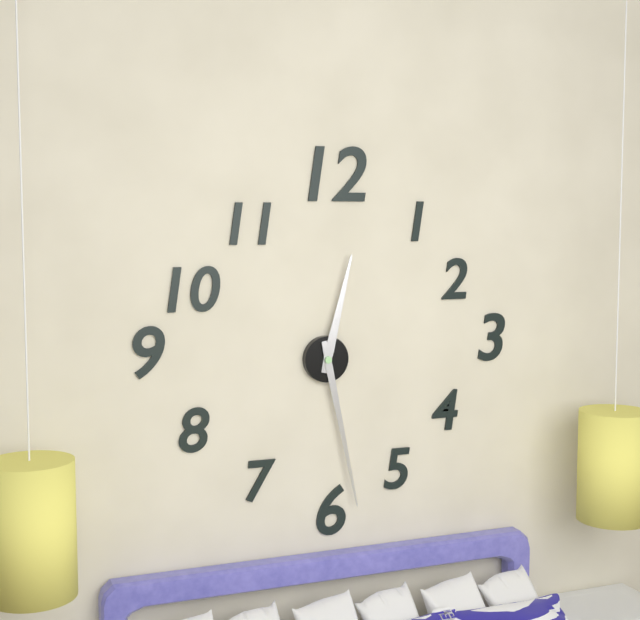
12:28
